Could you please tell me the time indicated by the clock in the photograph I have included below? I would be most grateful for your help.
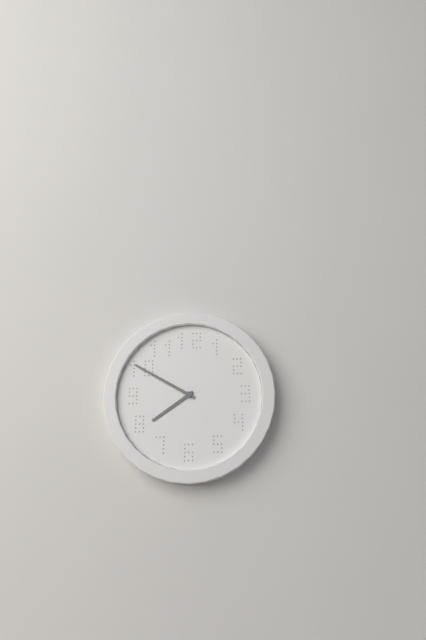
7:50
